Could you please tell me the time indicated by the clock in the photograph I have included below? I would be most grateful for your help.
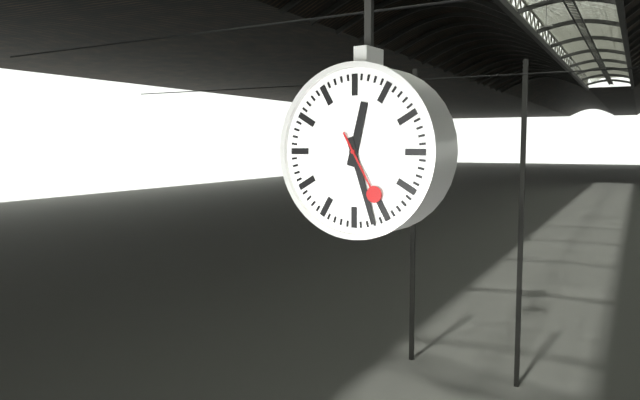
12:27:25
